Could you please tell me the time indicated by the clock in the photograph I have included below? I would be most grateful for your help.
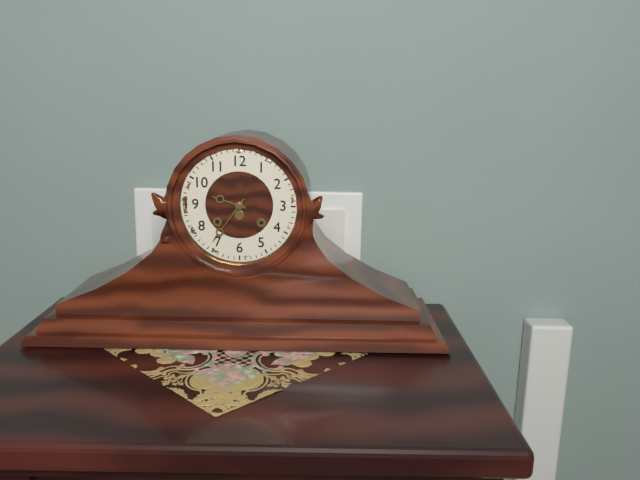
9:36
